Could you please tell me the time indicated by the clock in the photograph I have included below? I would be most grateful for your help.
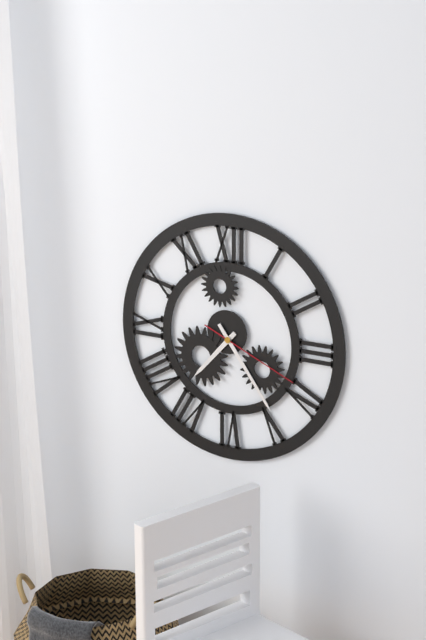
7:24:19
